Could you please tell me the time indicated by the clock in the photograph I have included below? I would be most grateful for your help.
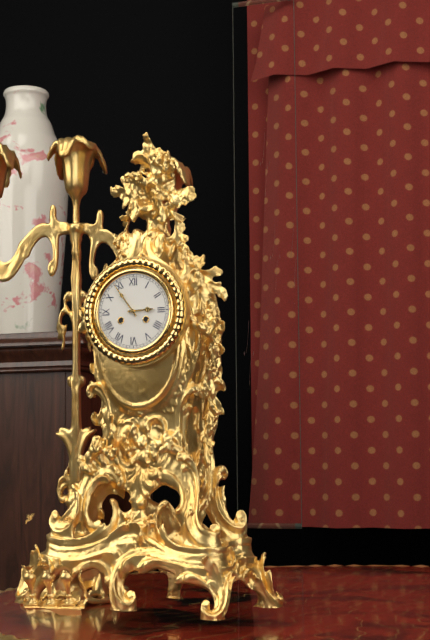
2:54
